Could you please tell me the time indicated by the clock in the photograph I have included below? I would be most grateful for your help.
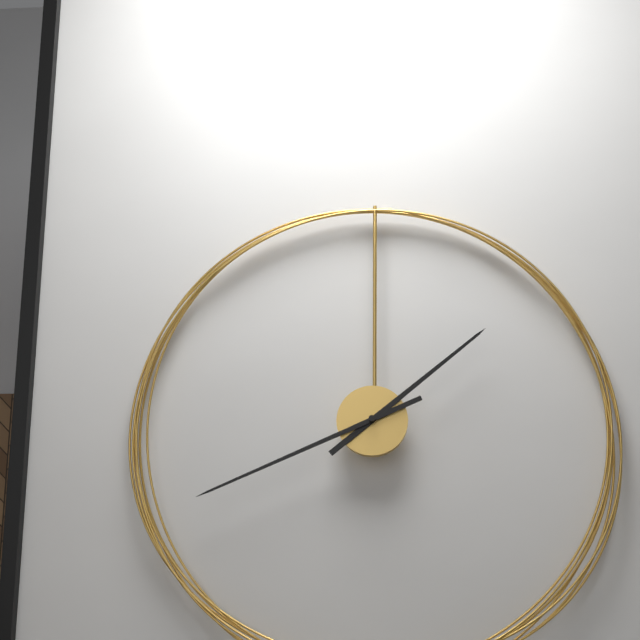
1:41
